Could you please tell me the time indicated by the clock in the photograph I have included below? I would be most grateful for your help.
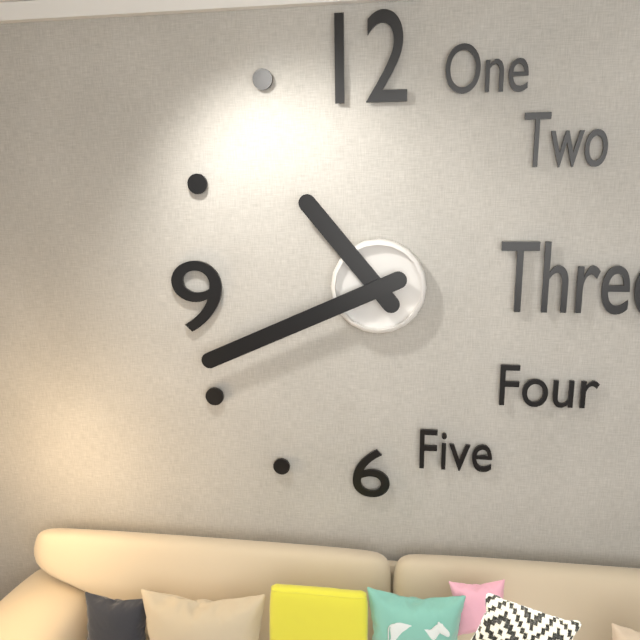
10:41
